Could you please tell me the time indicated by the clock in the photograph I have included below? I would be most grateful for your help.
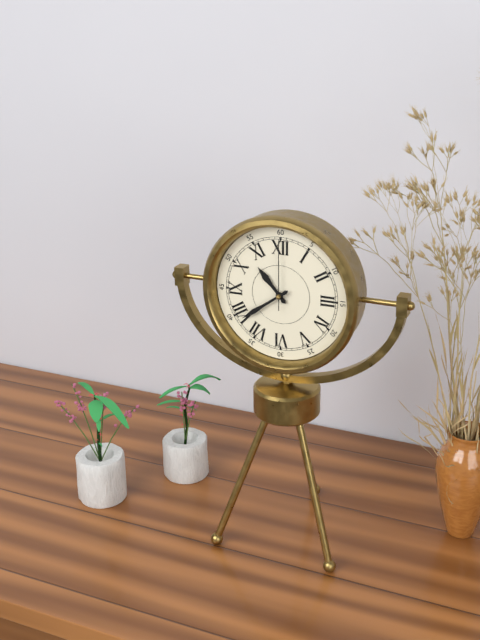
10:39:00
